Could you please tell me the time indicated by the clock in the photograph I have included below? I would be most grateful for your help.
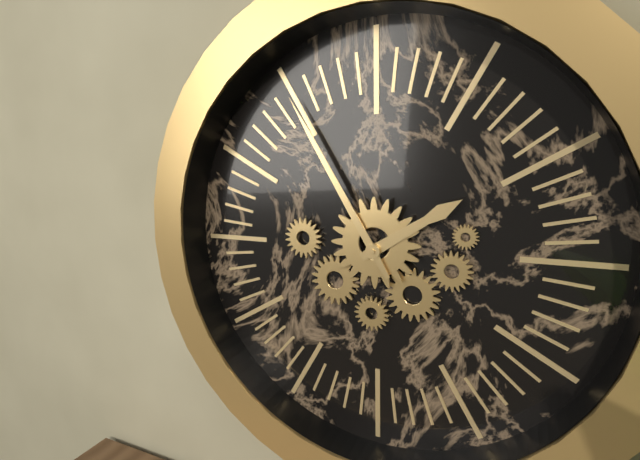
1:55
